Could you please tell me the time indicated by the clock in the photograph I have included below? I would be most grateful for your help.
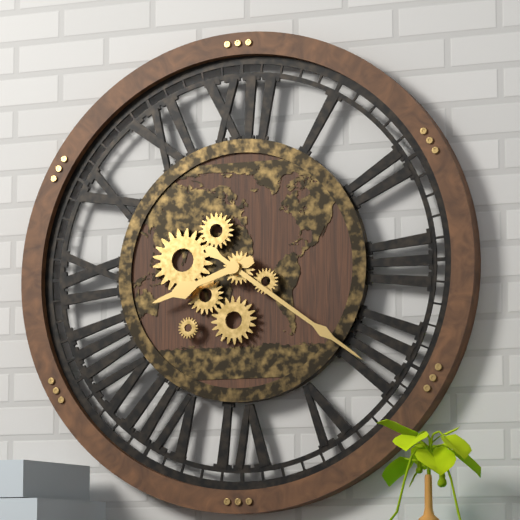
8:21
